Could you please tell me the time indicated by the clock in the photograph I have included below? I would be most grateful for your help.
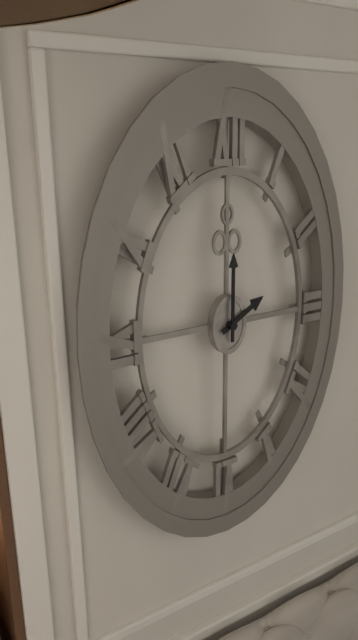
2:00
